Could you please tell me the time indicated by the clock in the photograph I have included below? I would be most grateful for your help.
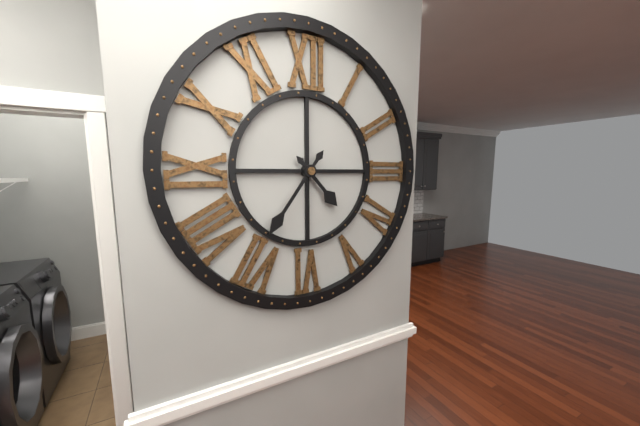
4:36
